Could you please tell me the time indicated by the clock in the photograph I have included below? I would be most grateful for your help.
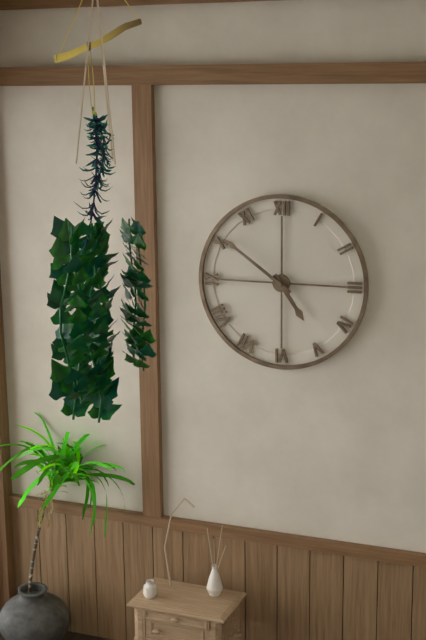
4:51
